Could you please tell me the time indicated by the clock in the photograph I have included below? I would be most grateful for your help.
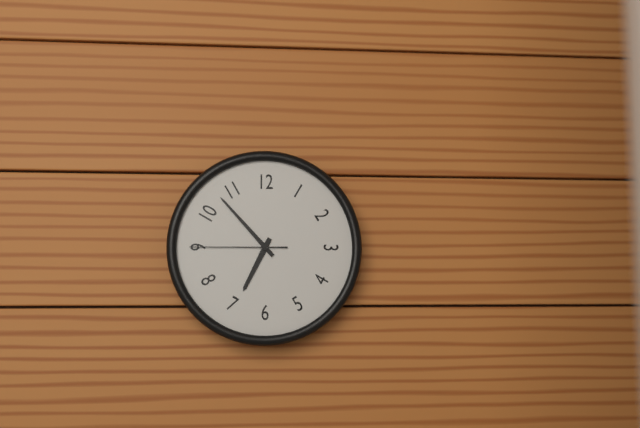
6:53:45
